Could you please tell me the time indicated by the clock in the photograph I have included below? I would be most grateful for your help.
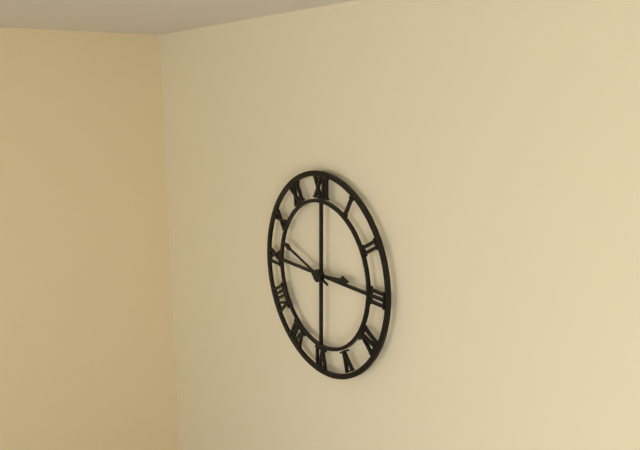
2:48
